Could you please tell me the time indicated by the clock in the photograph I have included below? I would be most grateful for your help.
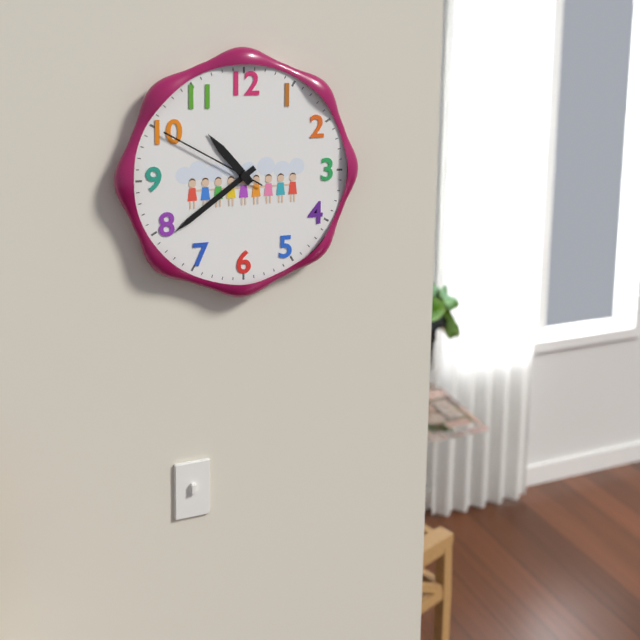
10:39:50
